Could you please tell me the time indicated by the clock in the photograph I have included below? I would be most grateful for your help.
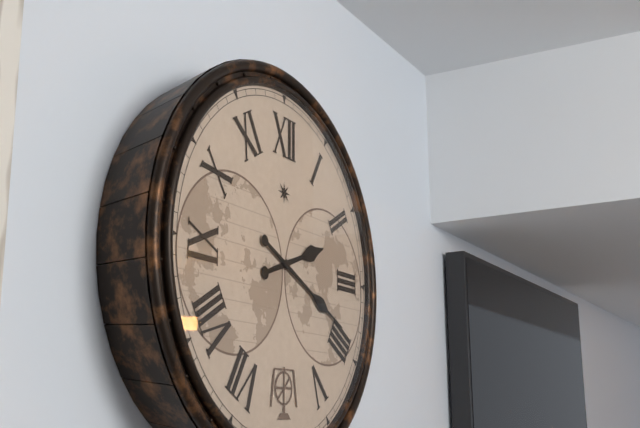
2:19
